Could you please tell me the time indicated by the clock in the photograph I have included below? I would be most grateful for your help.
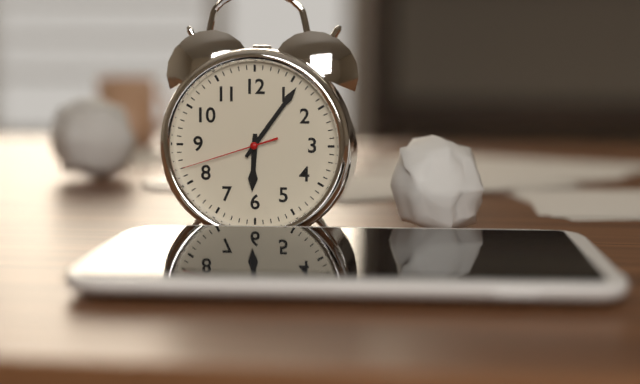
6:06:42
